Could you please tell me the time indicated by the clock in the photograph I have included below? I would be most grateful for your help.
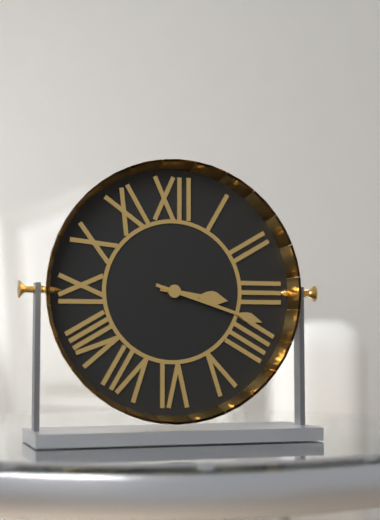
3:18
